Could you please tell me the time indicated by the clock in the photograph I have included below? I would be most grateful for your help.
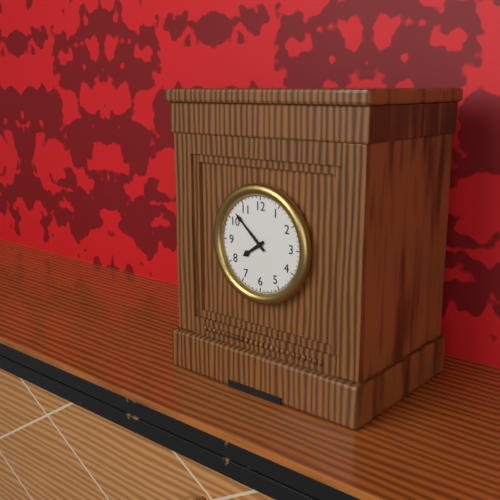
7:52
